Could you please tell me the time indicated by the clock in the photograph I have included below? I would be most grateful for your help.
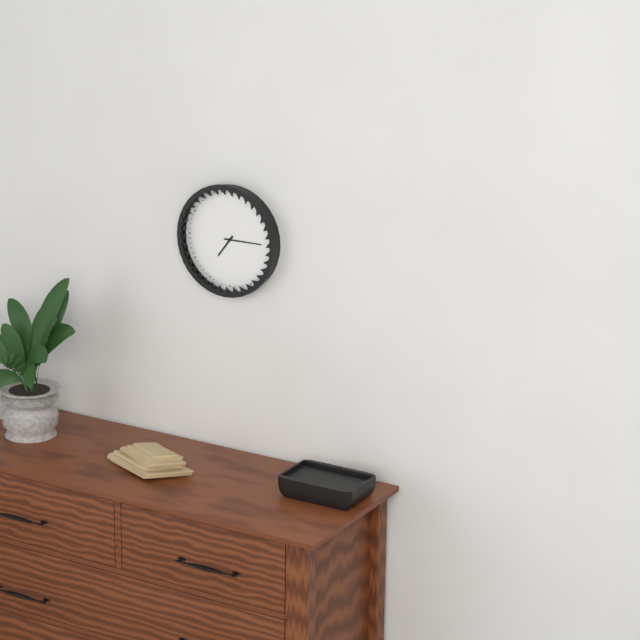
7:15
